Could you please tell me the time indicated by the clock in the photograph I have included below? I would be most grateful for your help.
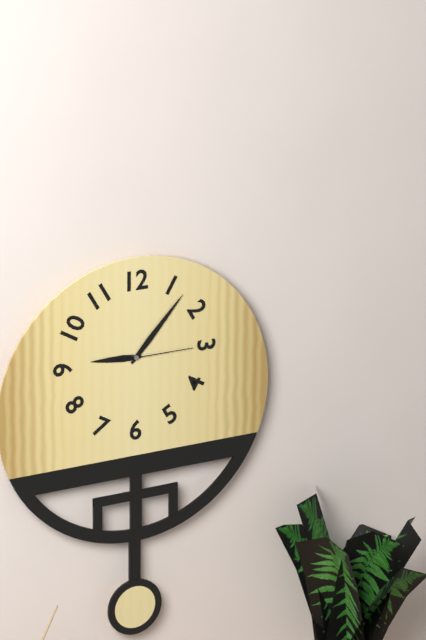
9:07:15
